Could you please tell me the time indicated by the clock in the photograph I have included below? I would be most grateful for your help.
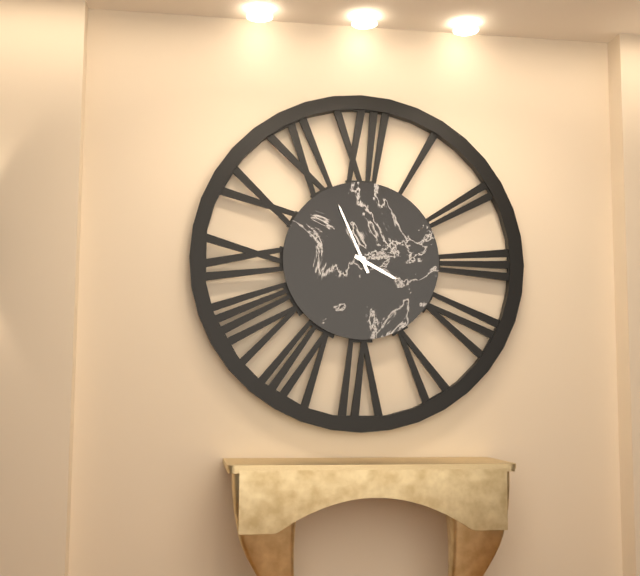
3:56
